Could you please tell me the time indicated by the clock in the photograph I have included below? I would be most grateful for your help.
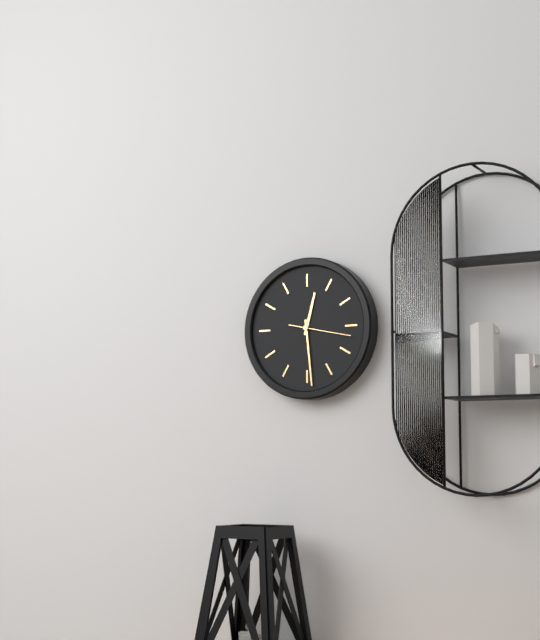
12:29:17
